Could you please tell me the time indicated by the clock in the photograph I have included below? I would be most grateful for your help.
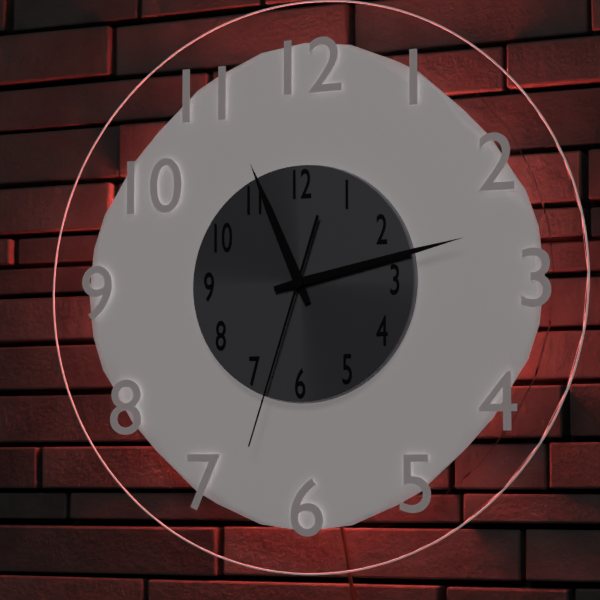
11:13:33
